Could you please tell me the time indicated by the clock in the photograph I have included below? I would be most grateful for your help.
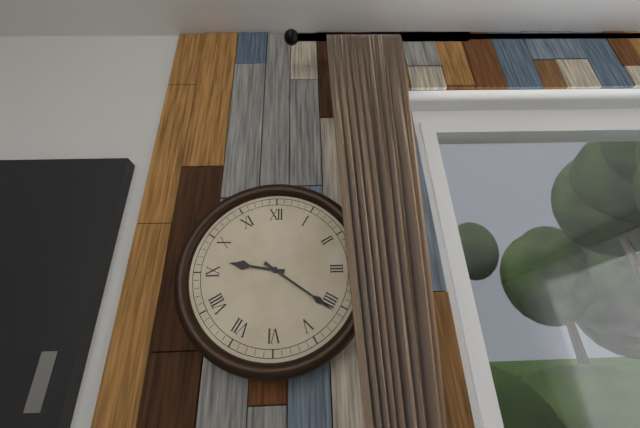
9:21
